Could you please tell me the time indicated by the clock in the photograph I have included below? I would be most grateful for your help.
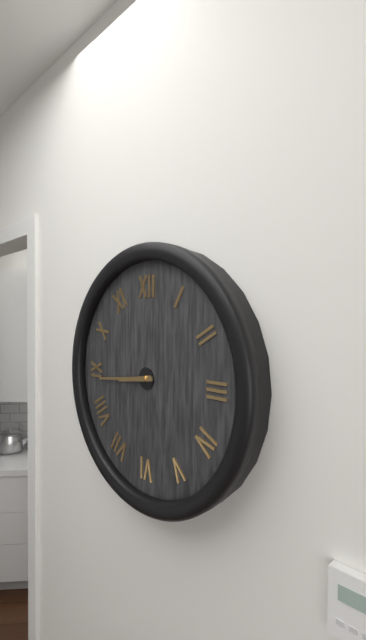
8:44
